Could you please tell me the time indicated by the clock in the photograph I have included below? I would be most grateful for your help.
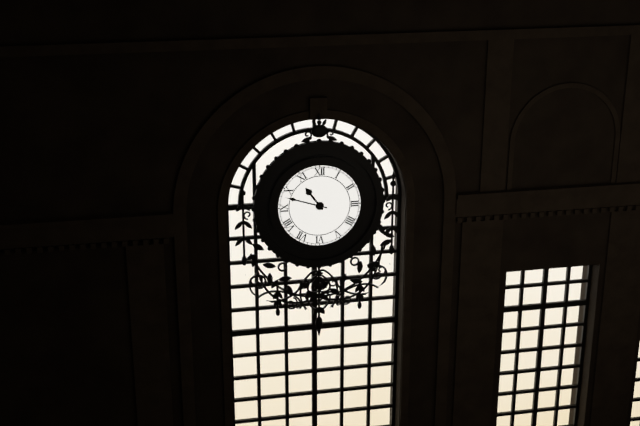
10:48
